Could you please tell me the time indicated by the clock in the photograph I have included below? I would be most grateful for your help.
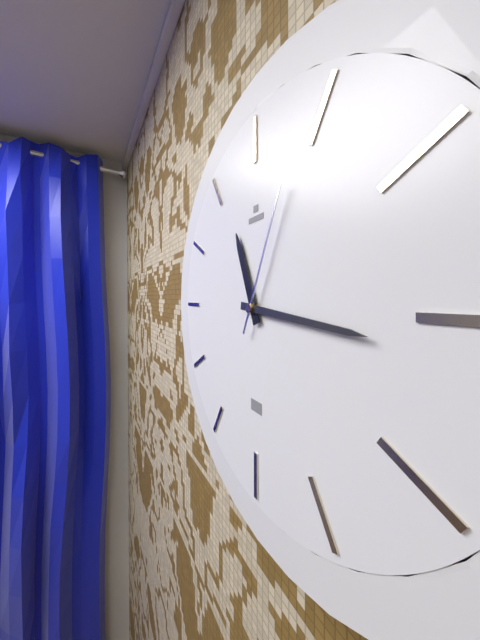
11:16:04
